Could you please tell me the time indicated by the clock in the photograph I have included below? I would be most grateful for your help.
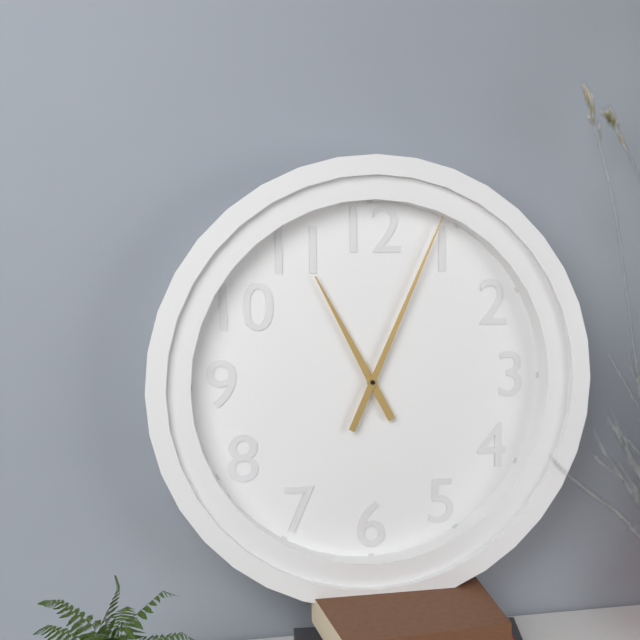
11:04
